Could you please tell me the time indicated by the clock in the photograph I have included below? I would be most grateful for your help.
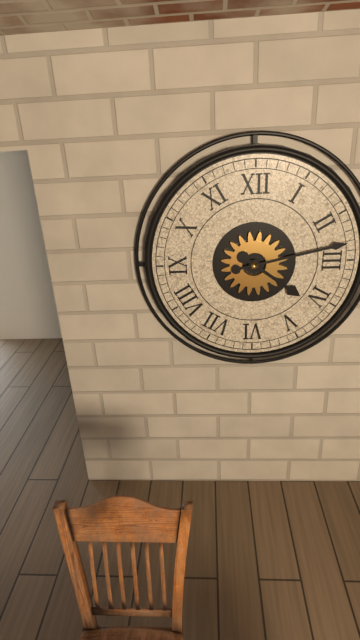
4:13
